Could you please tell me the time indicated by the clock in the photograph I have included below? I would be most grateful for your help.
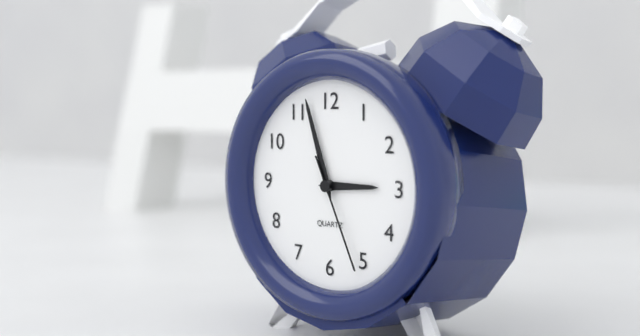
2:57:26
